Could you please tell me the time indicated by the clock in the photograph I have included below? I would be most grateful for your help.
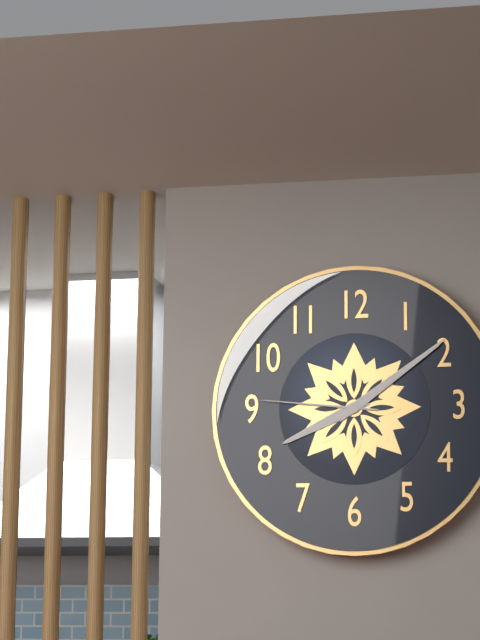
8:09:46
